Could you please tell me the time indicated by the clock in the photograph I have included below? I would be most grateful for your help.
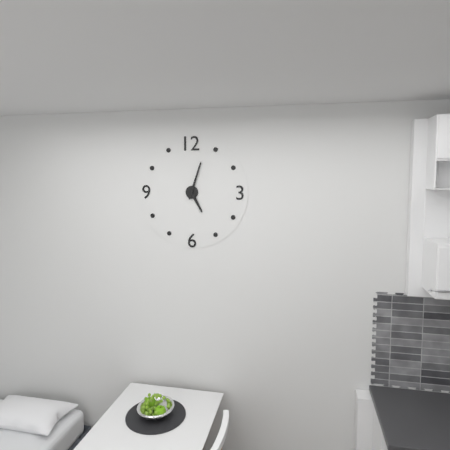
5:03
